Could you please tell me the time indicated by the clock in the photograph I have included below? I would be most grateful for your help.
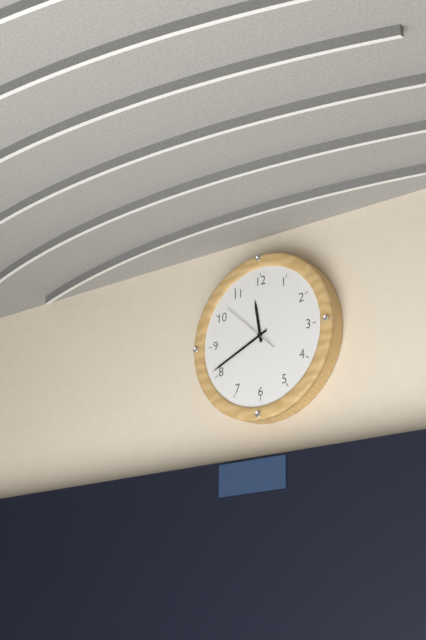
11:41:52
